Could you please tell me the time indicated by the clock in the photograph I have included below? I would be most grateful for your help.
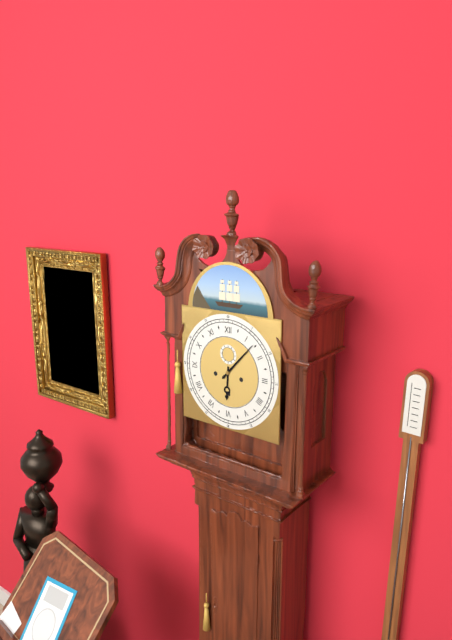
6:07
